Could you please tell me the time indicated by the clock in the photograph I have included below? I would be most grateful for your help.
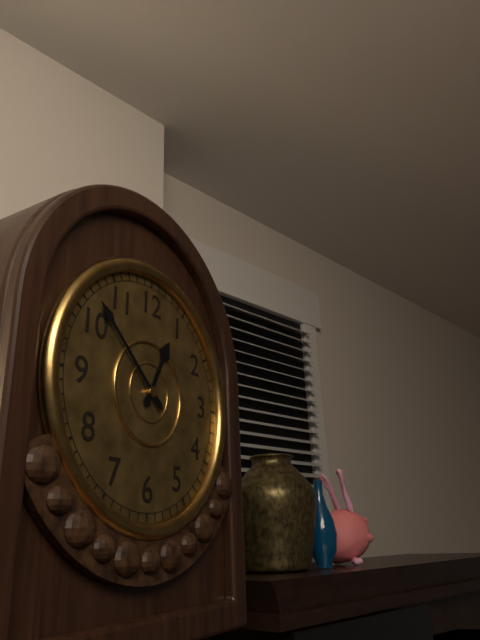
12:52
